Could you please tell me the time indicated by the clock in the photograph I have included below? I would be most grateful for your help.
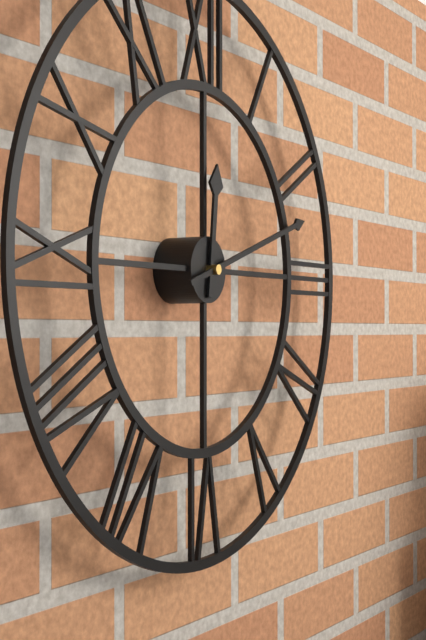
12:12
